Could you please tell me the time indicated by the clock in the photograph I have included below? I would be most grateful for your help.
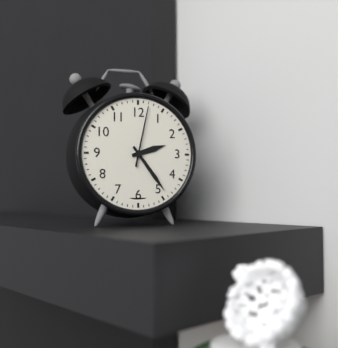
2:24:02
